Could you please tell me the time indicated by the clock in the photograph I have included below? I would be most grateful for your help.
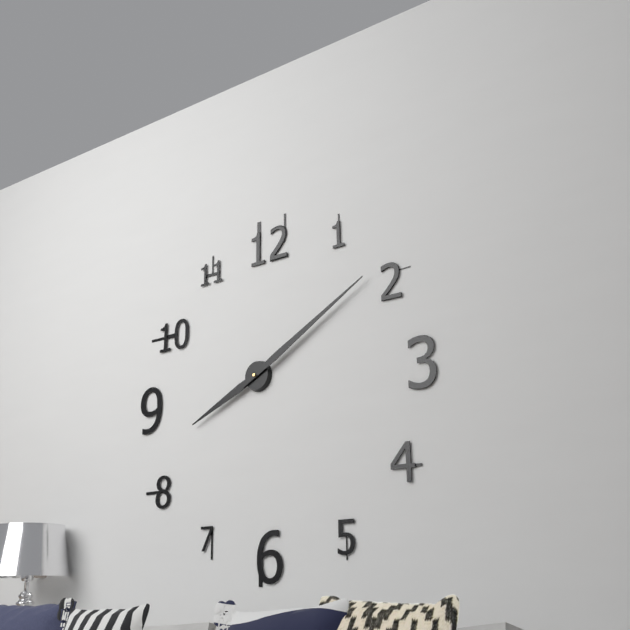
8:10
